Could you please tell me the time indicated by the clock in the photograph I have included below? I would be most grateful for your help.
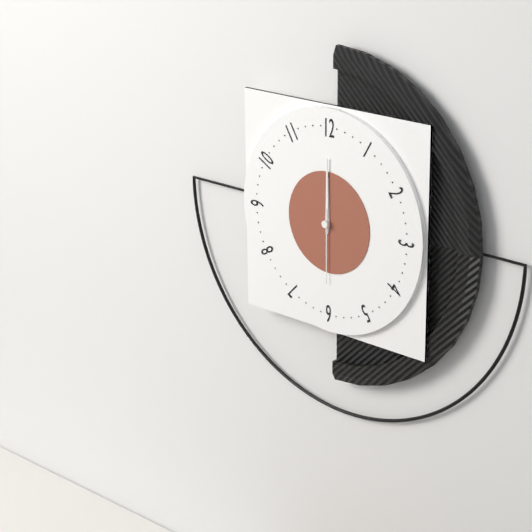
12:00:30
